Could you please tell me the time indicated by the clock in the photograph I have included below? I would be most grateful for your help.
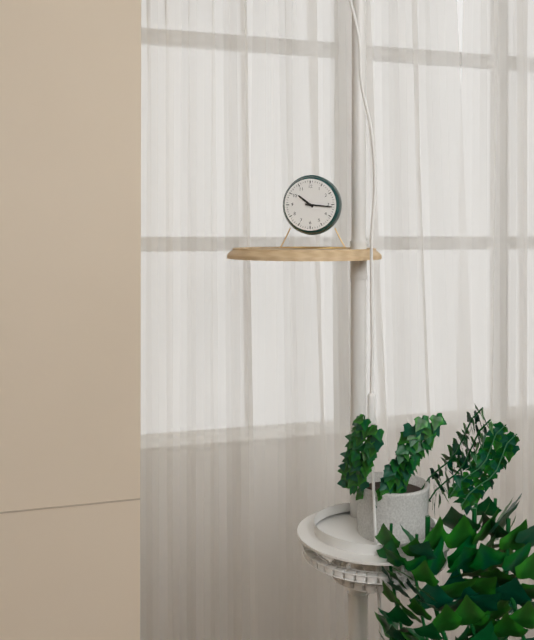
10:16
